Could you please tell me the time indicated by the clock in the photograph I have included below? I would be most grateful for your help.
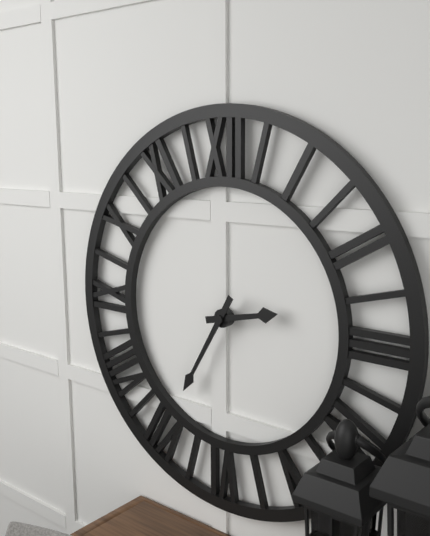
2:35
